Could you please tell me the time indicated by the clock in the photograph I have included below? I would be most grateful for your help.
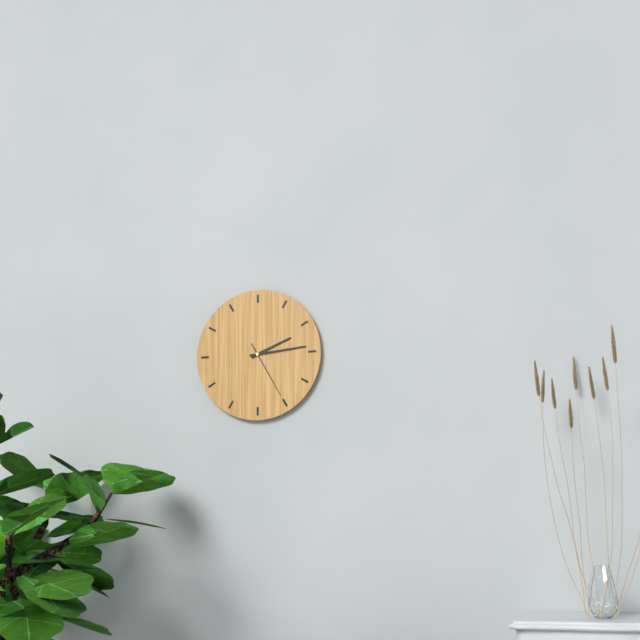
2:14:25
